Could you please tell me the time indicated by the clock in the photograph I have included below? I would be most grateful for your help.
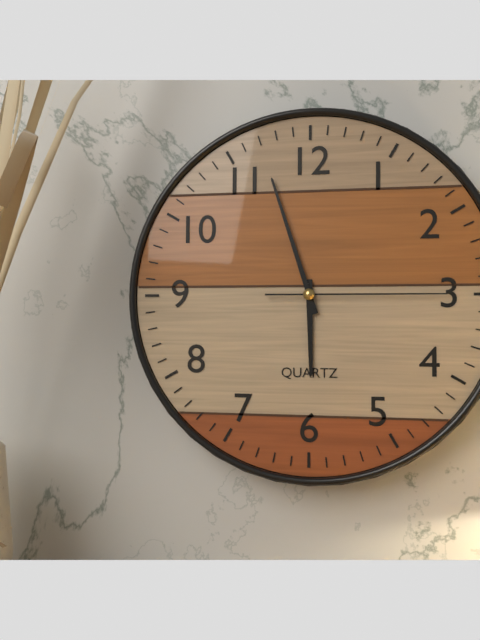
5:57:15
